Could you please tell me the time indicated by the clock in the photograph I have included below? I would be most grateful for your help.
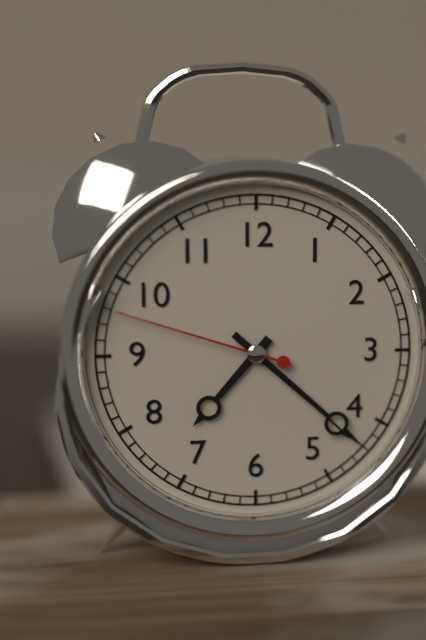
7:22:48
